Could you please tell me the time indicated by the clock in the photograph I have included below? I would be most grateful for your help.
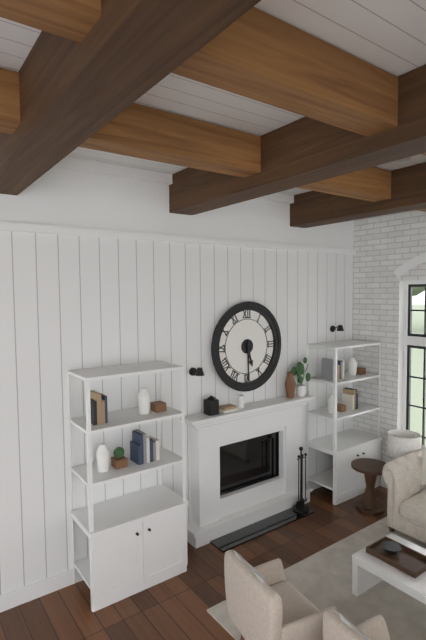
5:30
